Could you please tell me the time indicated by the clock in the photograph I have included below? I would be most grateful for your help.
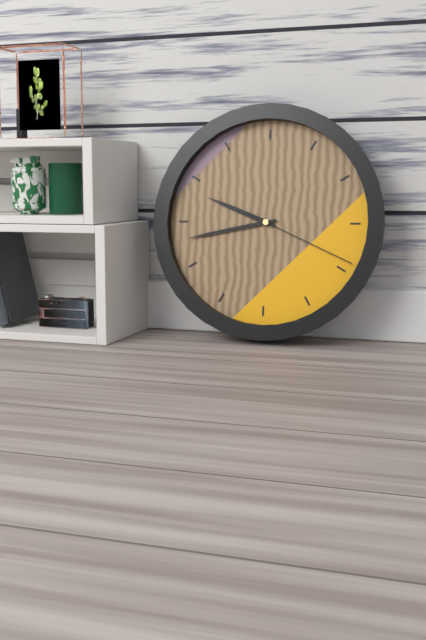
9:43:19
